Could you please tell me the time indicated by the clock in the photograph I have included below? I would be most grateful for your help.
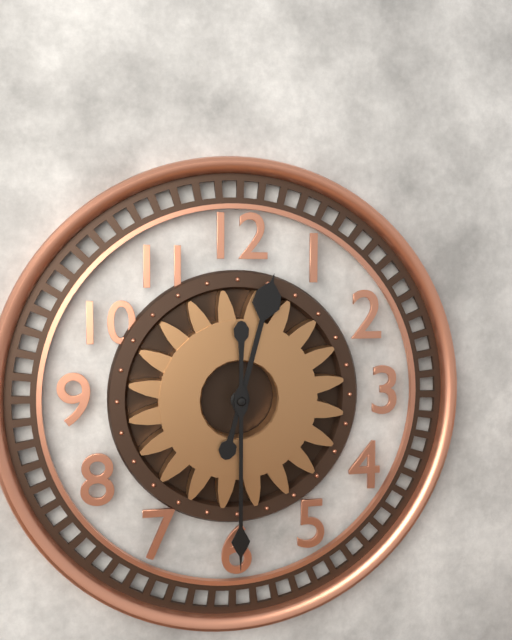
12:30
